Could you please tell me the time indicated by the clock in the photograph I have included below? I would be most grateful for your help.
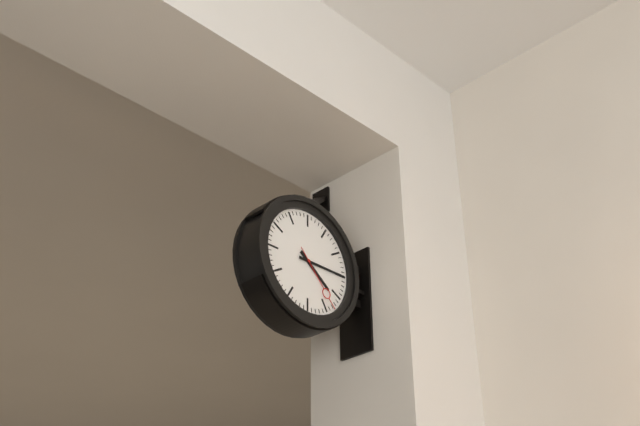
4:15:23
